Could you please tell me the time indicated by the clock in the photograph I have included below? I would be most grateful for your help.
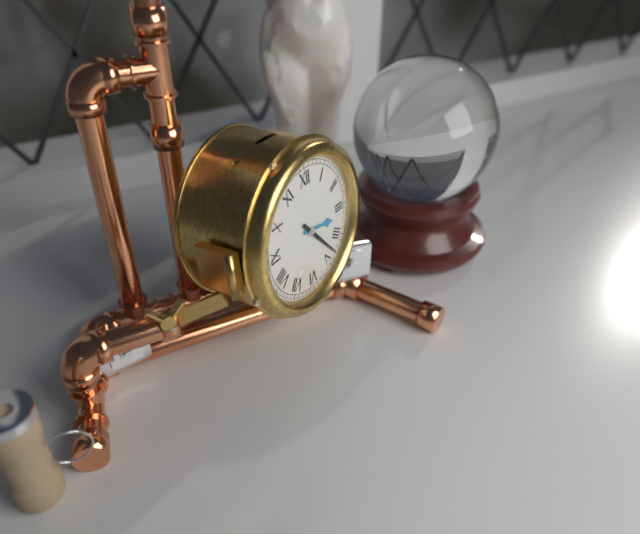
3:23
